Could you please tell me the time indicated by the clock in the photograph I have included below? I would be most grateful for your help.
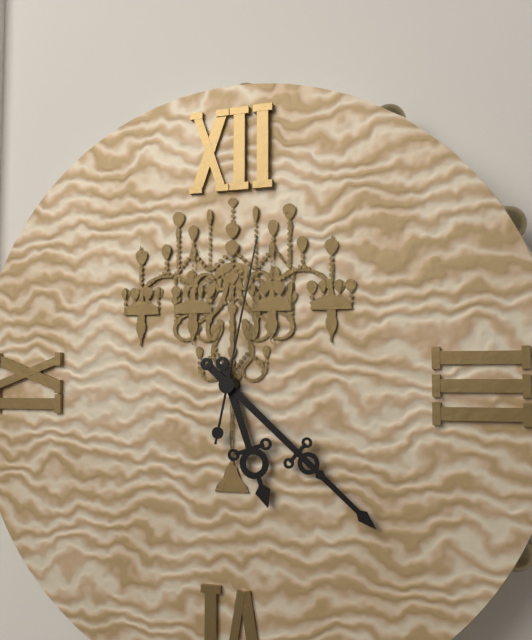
5:22:02
